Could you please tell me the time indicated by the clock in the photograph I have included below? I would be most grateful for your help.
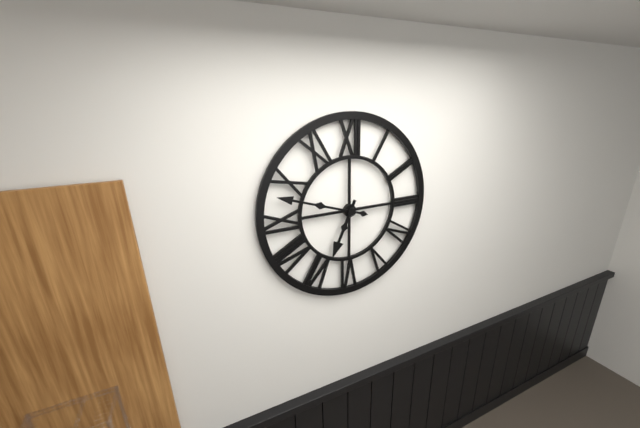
6:48
